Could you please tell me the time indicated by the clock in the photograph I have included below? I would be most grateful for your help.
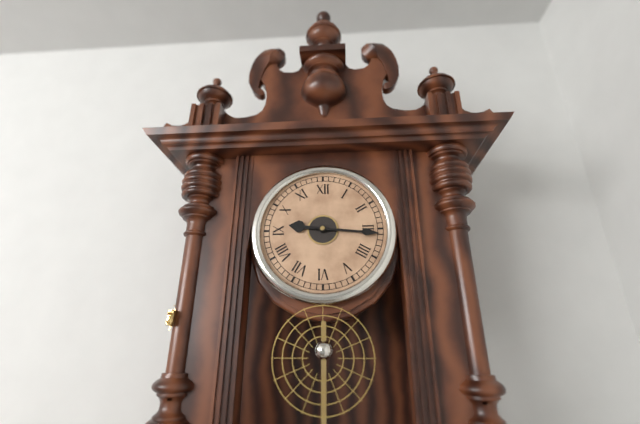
9:16
